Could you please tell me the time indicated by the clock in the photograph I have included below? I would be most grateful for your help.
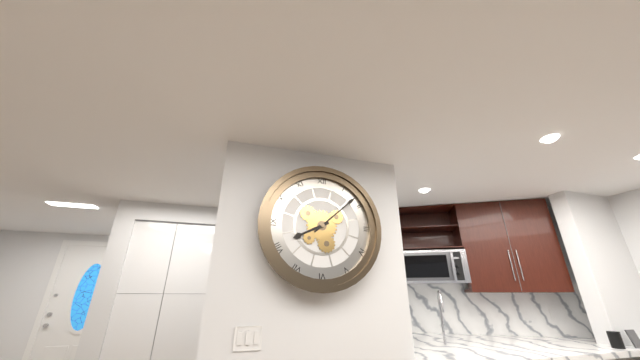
8:08
